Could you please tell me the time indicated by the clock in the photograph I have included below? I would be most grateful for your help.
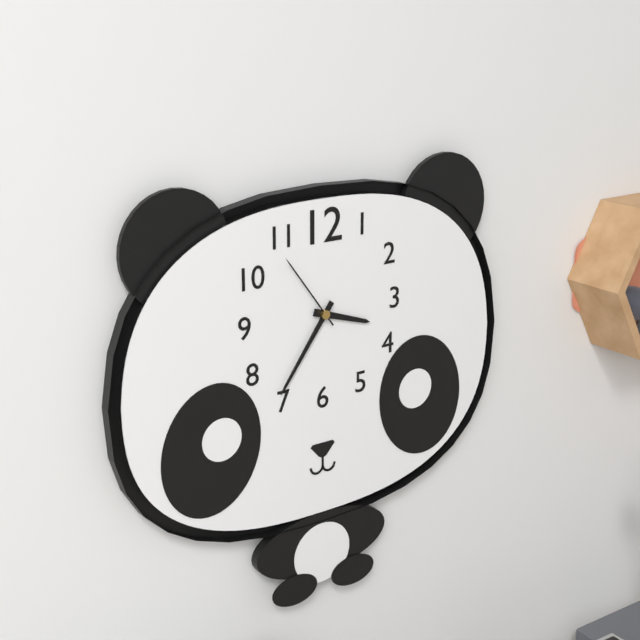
3:36:54
